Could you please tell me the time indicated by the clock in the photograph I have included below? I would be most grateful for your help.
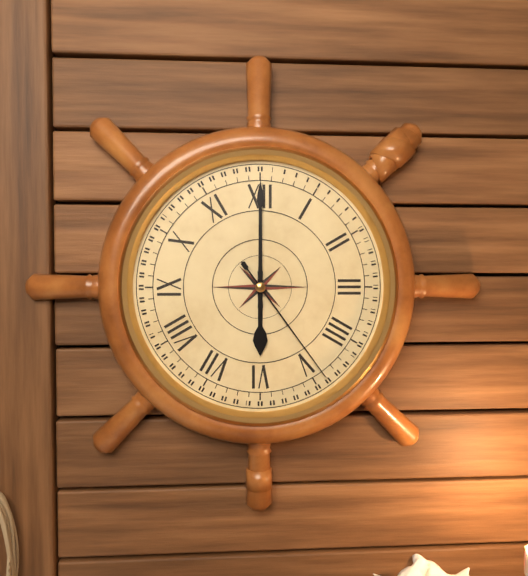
6:00:24
